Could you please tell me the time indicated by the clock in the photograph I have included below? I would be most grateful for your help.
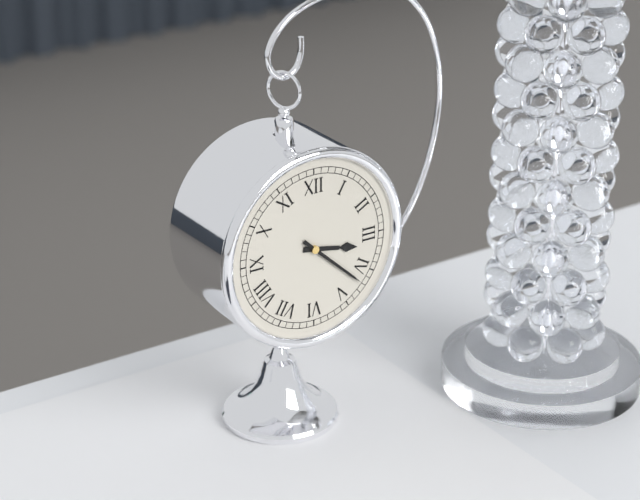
3:22
